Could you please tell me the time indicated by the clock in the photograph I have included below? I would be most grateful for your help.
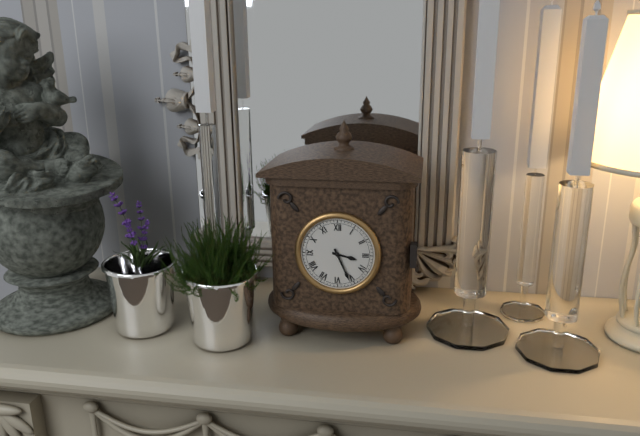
3:26
